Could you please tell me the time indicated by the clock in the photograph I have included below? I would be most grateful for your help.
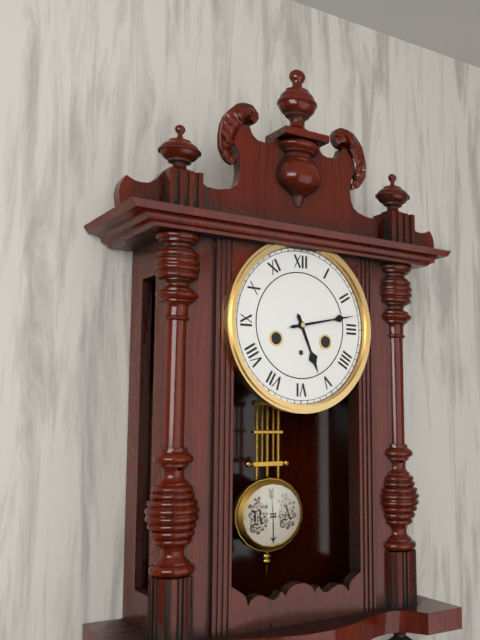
5:13
